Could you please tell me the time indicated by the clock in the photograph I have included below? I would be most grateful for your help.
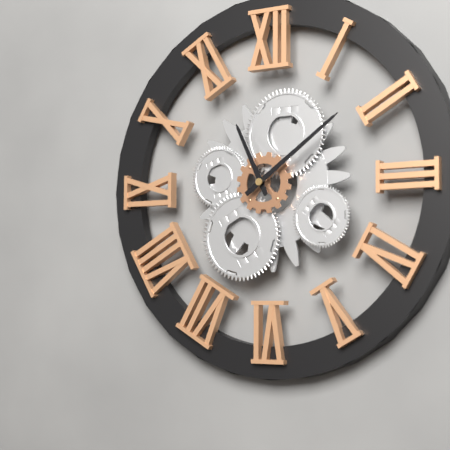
11:09
